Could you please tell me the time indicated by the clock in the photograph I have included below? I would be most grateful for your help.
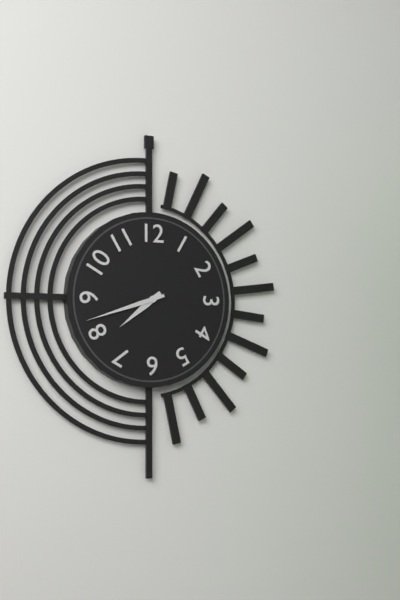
7:42
